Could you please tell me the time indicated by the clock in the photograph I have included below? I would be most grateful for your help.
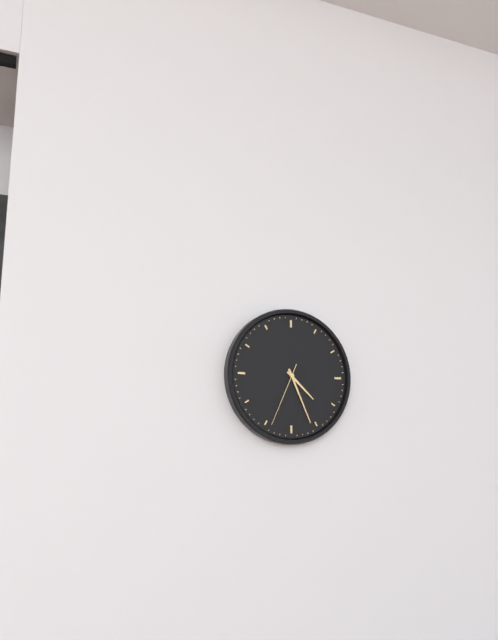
4:26:34
